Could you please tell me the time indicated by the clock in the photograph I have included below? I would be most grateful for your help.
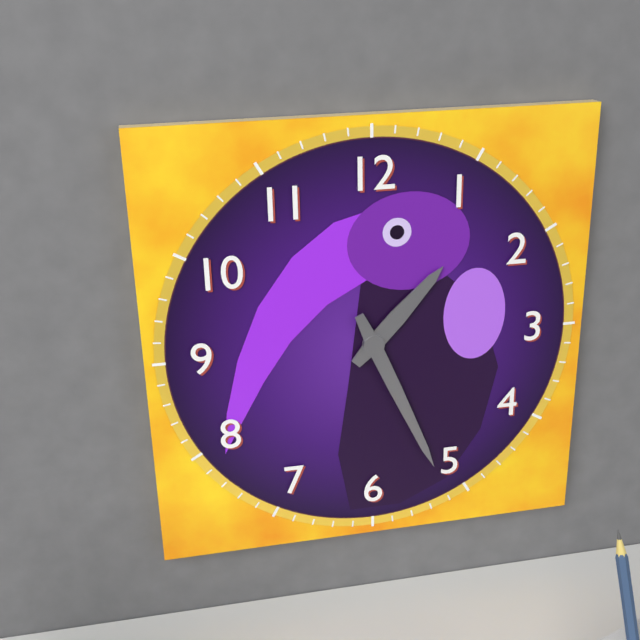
1:26
